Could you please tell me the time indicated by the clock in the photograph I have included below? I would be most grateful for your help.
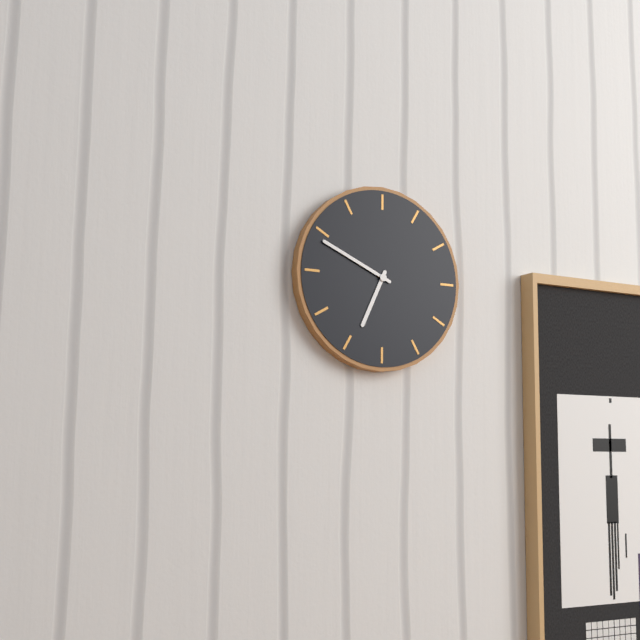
6:49
